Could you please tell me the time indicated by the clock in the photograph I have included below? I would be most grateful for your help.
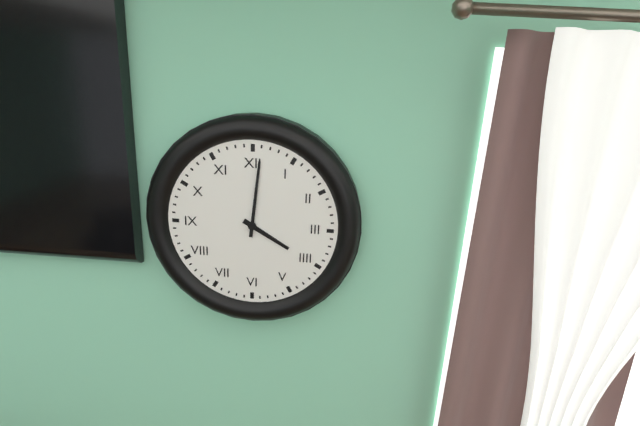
4:01
